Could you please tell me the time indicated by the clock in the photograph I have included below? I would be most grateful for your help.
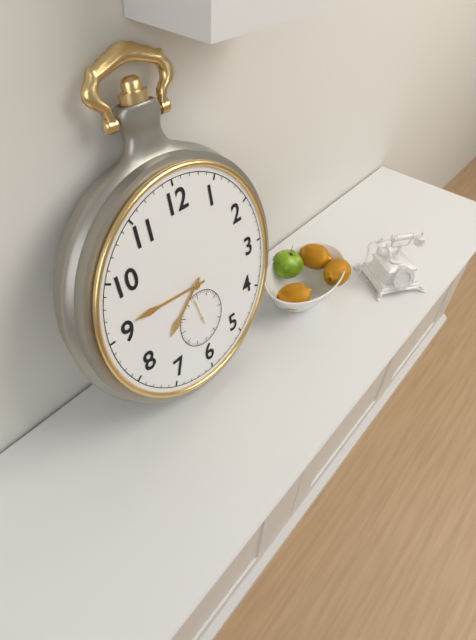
7:46
